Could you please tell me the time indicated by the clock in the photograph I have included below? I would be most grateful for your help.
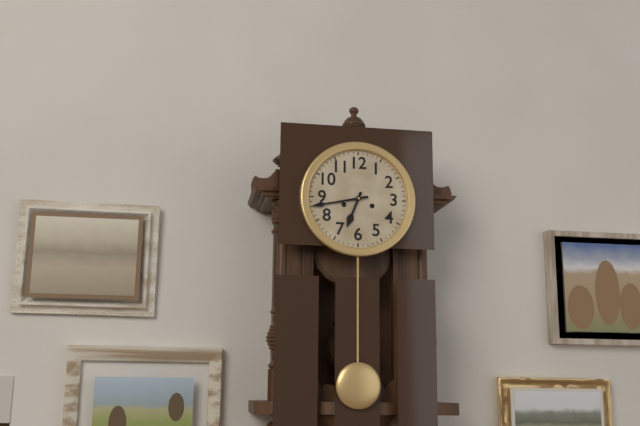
6:43
